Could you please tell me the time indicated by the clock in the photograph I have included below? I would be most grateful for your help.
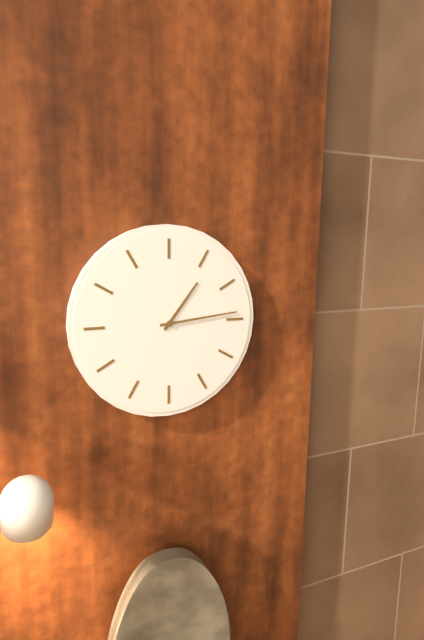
1:14
